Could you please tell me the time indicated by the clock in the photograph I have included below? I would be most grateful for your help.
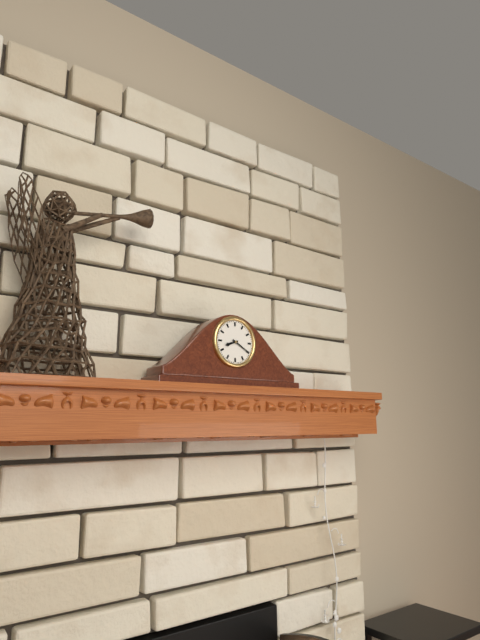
8:20
